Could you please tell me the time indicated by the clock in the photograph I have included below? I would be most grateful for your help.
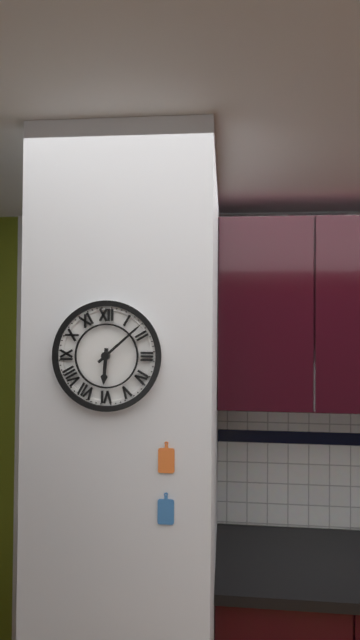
6:08
